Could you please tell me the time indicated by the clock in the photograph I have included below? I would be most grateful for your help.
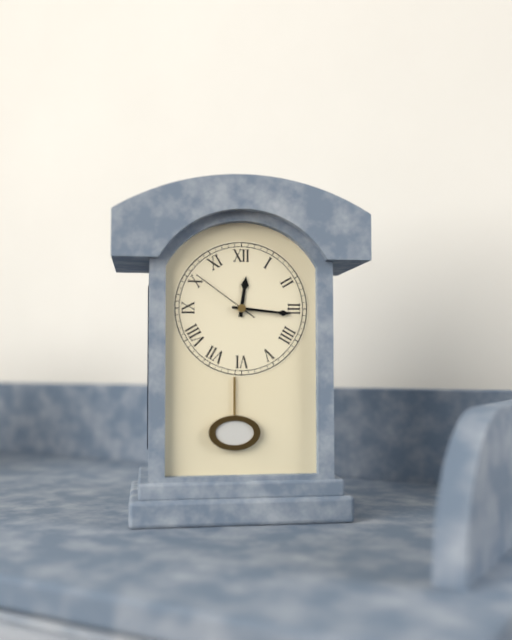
12:16:51
